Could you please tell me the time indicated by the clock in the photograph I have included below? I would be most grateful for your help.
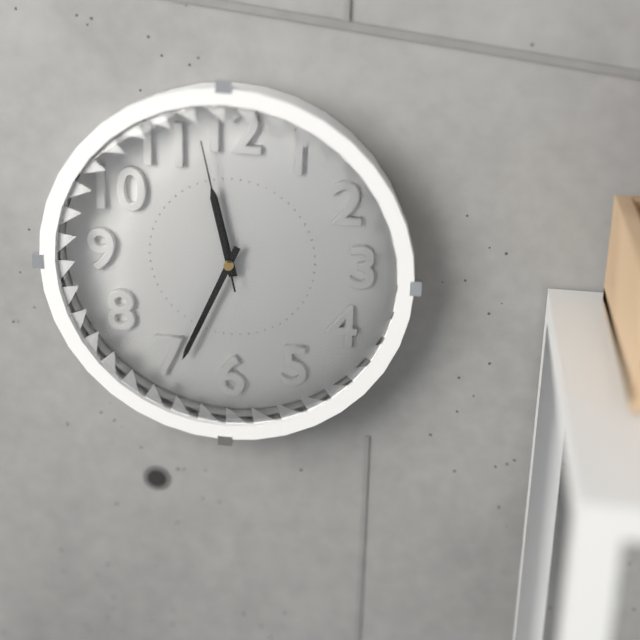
11:34:58
